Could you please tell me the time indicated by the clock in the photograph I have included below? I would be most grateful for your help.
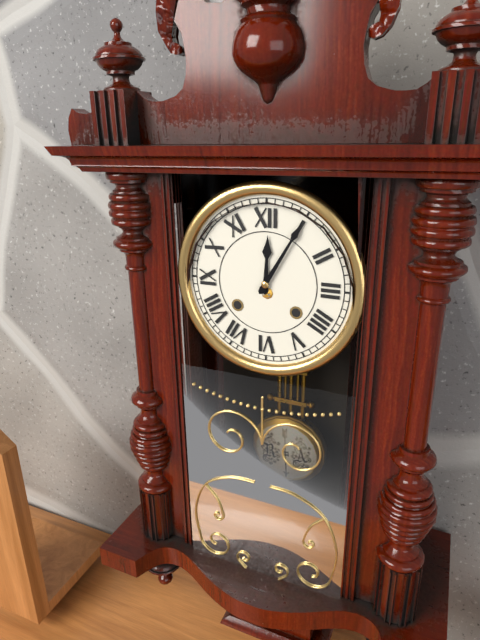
12:05
